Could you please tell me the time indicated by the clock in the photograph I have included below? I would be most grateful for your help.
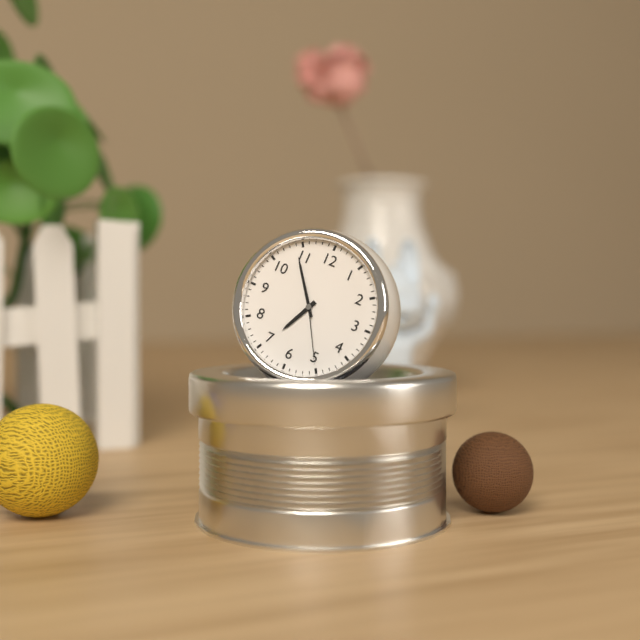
6:54:25
